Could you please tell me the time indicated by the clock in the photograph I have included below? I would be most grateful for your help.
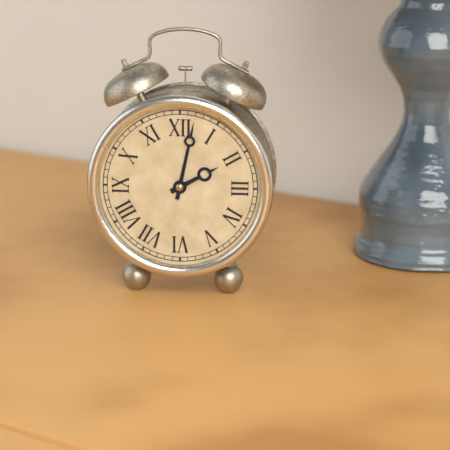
2:02
